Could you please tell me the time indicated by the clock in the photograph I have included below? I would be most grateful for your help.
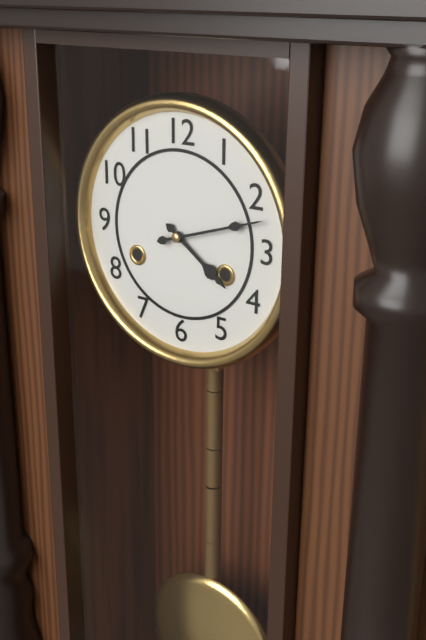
4:12
